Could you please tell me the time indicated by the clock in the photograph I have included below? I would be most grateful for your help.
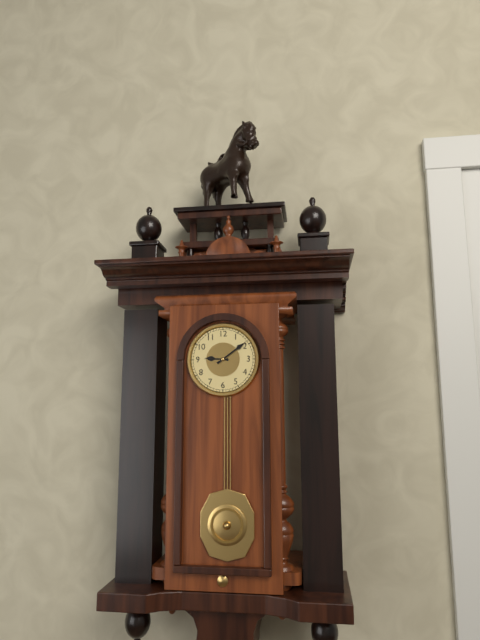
9:09
